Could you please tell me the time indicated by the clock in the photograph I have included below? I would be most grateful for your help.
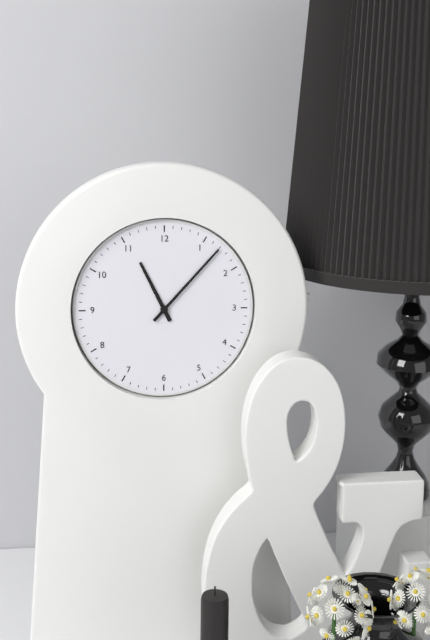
11:07
